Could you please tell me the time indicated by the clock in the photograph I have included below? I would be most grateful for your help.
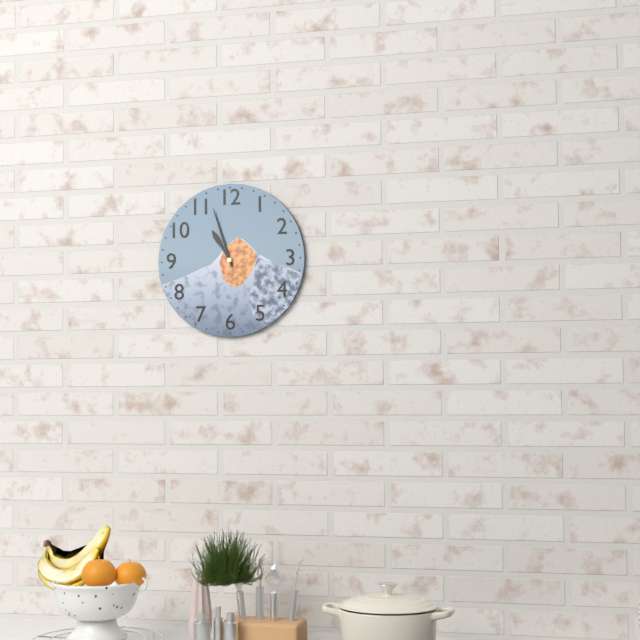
10:57
